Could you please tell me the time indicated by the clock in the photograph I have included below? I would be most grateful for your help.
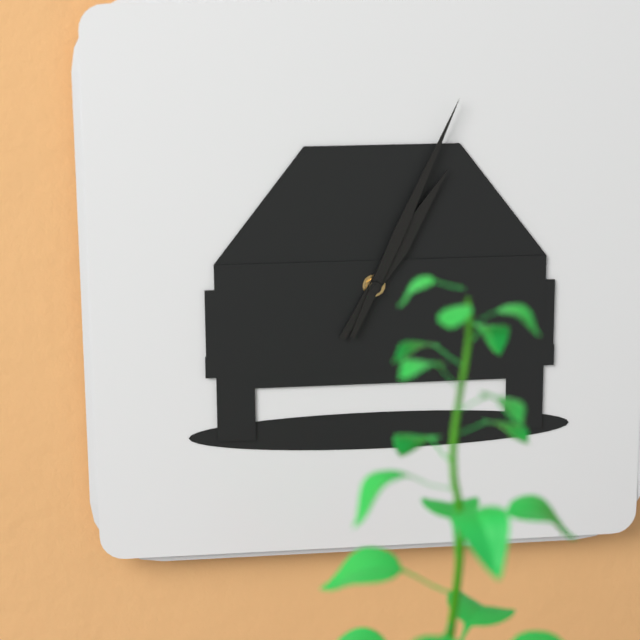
1:04
